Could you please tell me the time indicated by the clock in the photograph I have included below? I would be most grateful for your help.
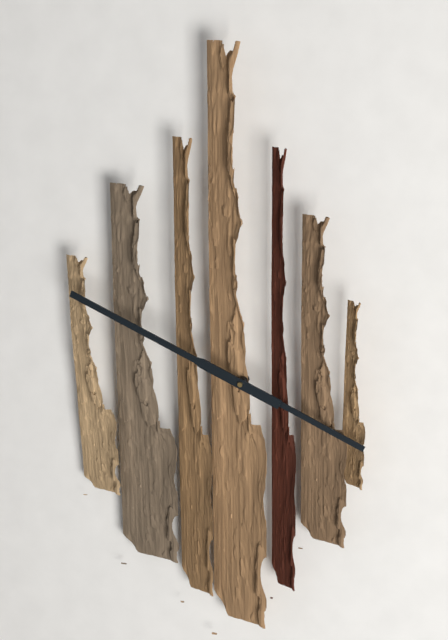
3:49
